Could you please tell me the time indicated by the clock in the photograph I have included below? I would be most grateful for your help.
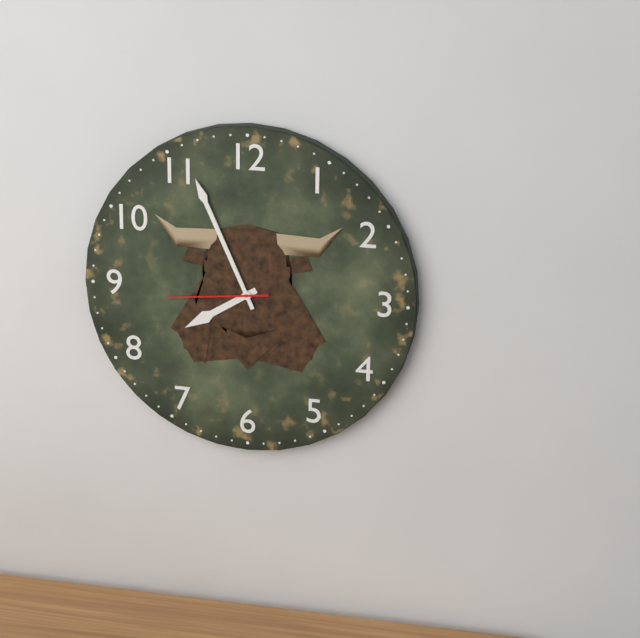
7:56:44
